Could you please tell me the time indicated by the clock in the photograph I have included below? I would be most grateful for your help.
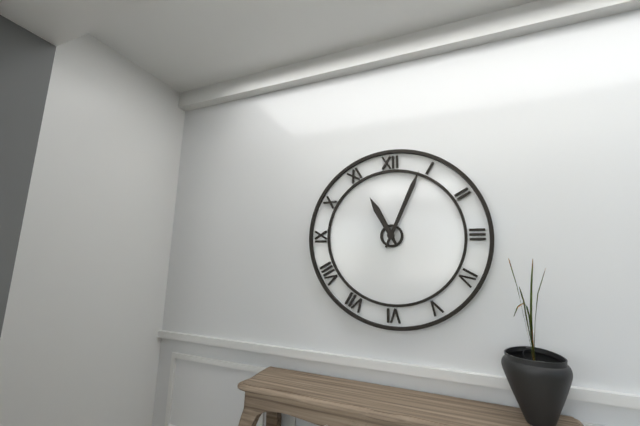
11:04
